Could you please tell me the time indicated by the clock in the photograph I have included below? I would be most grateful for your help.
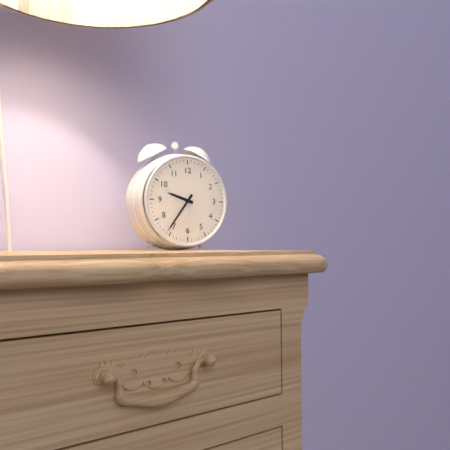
9:36
